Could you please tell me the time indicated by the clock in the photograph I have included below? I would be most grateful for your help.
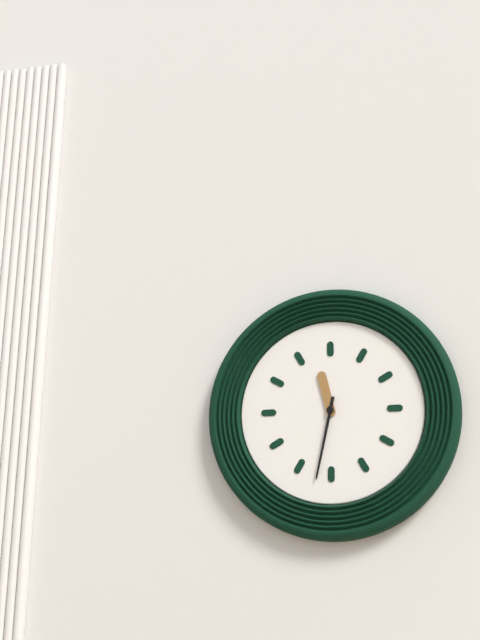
11:32
